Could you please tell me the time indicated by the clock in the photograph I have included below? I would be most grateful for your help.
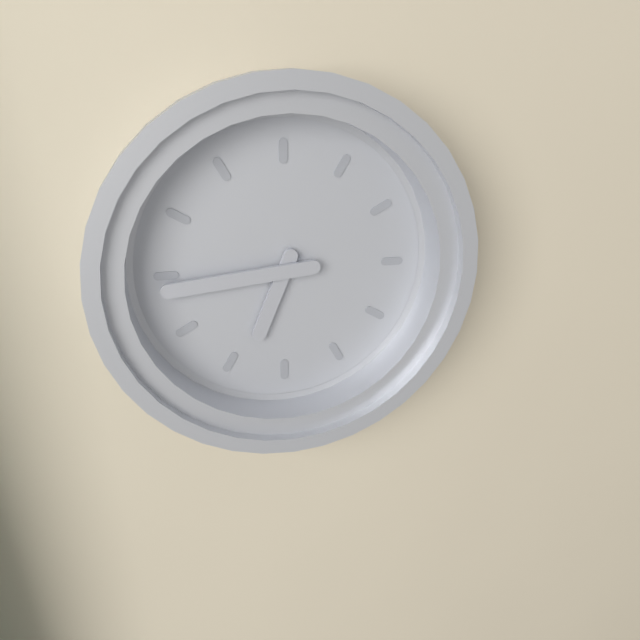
6:44
